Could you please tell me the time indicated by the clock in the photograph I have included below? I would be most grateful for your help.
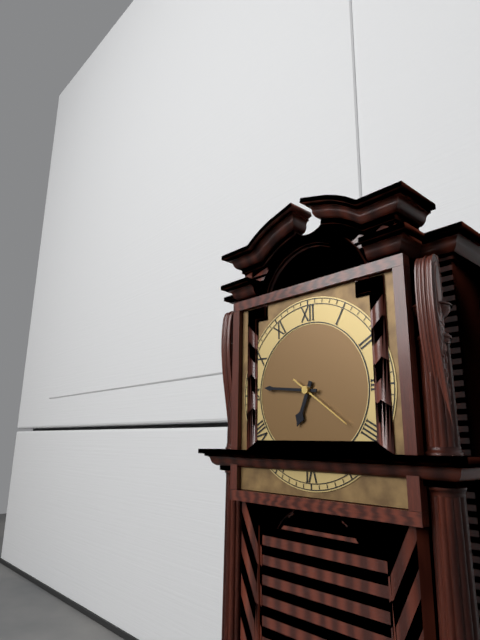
6:46:21
